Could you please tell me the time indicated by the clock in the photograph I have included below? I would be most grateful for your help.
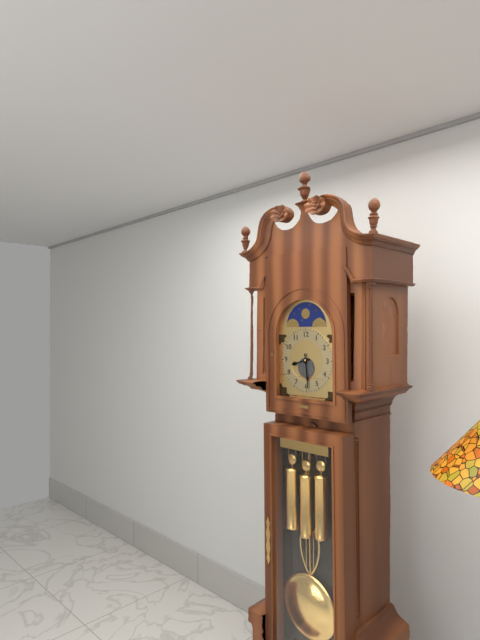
8:29
